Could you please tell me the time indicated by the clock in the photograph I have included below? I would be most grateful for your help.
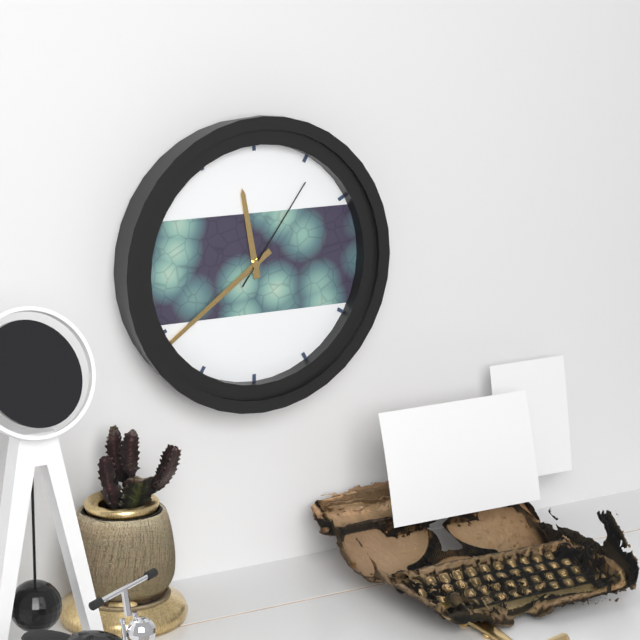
11:39:06
